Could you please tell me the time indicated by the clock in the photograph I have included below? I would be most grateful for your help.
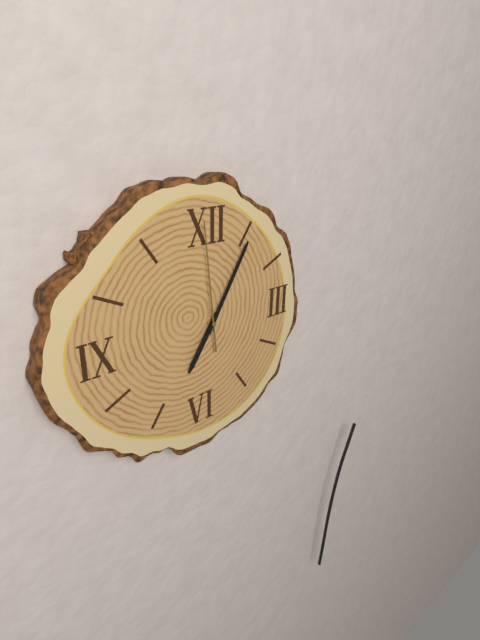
7:05:59
